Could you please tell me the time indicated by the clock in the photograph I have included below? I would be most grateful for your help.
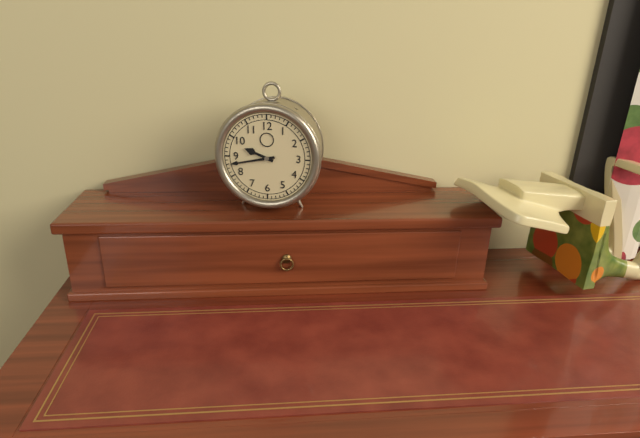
9:43
